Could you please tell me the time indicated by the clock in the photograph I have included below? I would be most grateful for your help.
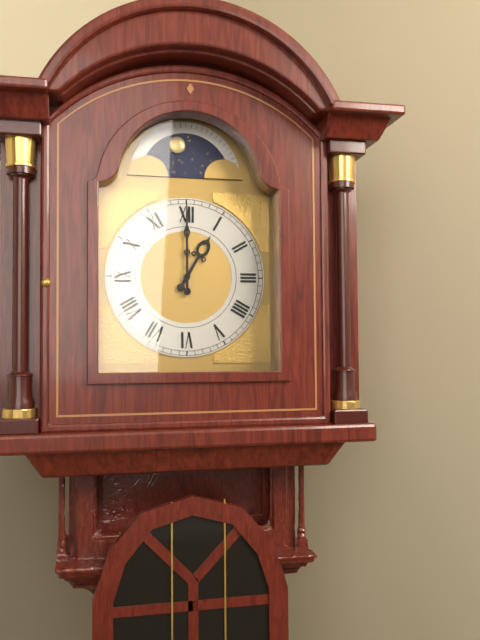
1:00
